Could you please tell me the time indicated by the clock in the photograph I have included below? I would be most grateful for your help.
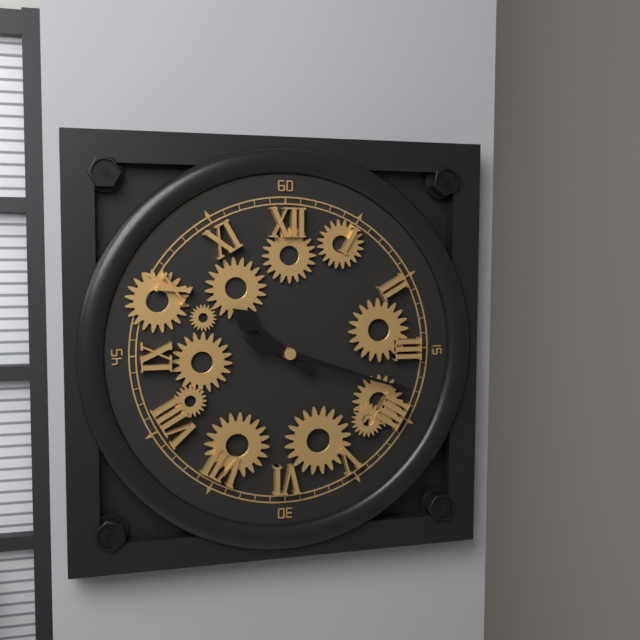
10:18
